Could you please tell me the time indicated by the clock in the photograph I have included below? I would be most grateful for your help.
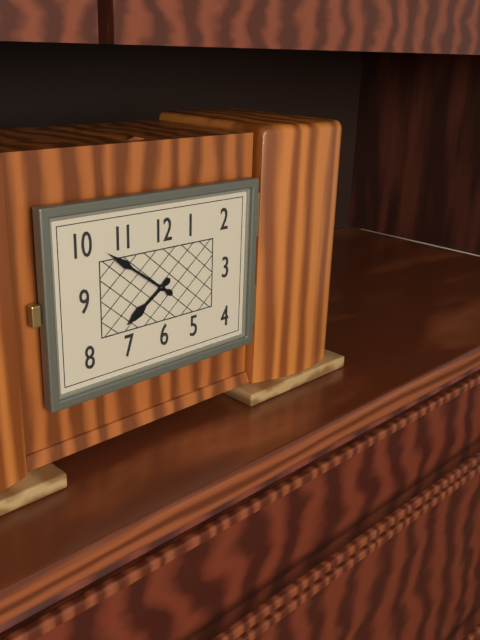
7:51
